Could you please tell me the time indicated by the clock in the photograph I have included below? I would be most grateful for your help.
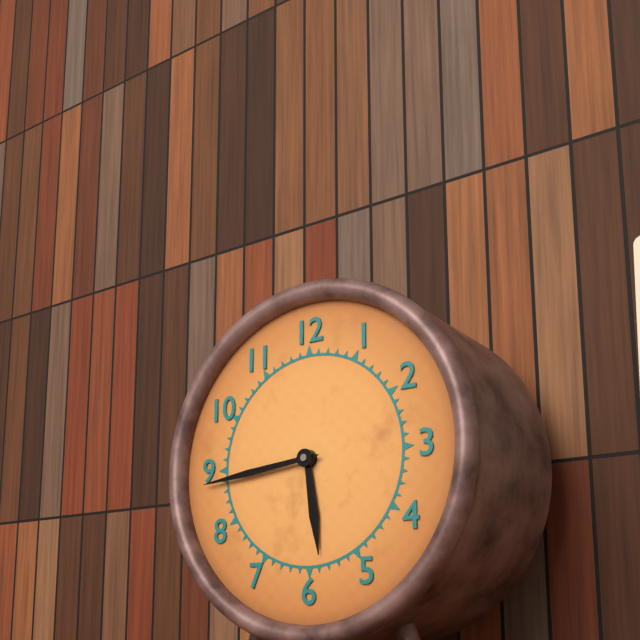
5:44
